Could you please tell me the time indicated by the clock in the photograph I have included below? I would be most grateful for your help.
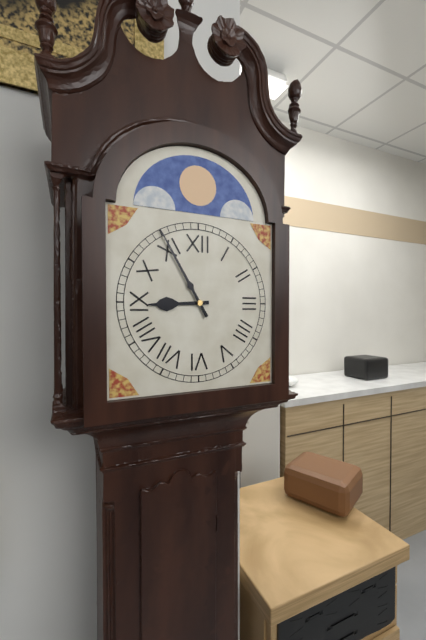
8:55
